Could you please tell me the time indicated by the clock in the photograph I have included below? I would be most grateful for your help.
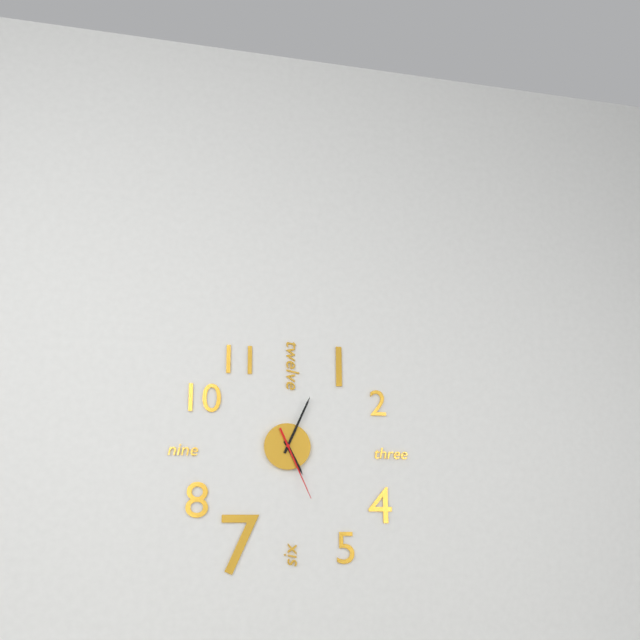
5:04:26
